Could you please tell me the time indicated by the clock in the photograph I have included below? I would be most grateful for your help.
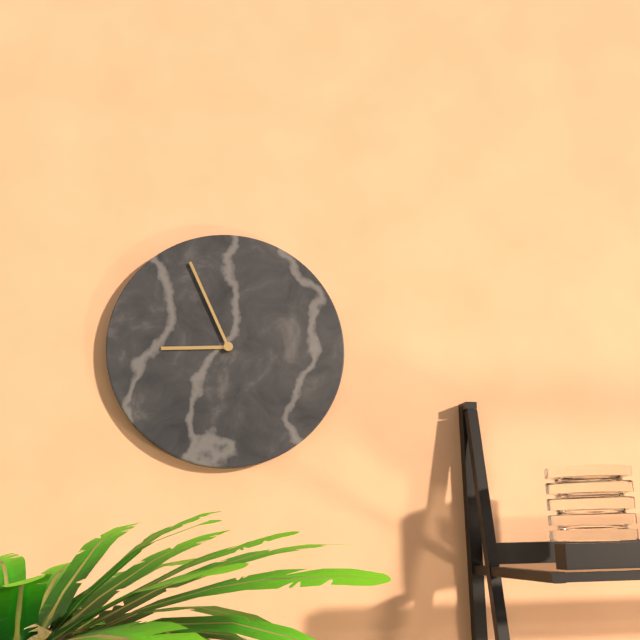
8:56
